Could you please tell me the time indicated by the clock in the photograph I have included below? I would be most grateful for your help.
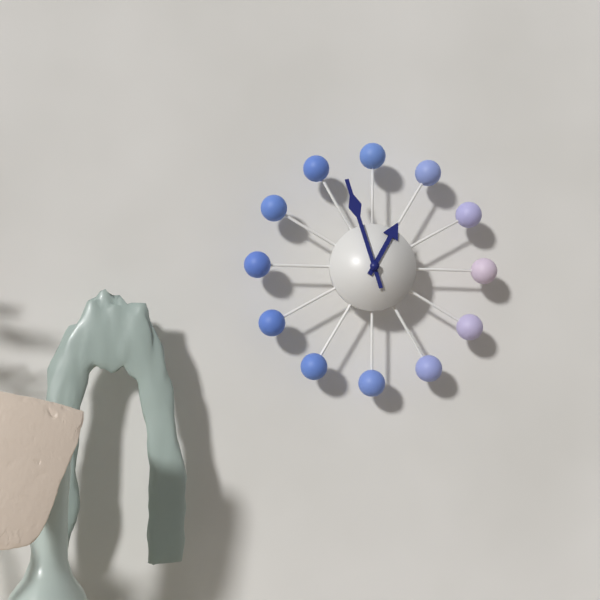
12:57
